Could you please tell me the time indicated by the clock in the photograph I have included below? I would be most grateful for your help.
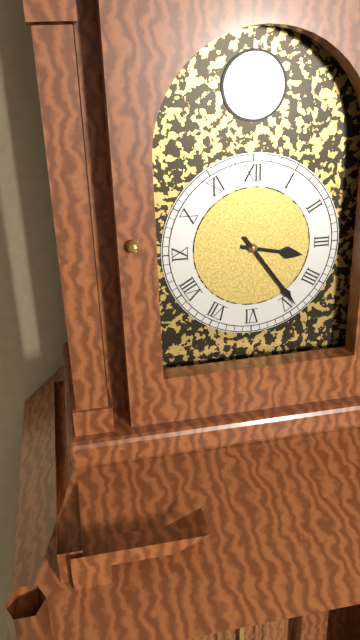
3:24
